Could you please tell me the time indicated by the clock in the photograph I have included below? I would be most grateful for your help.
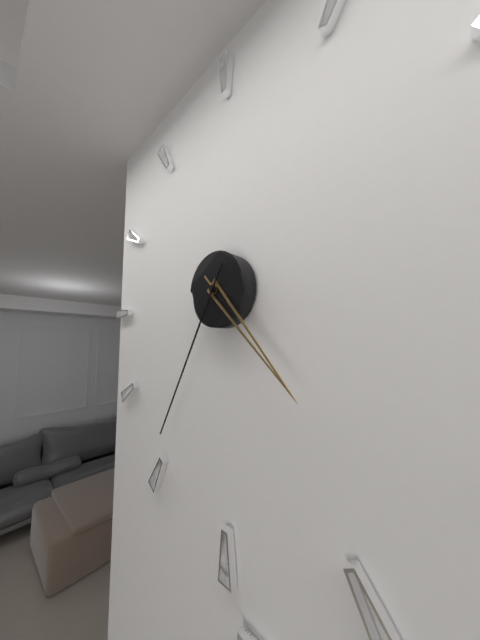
4:35
